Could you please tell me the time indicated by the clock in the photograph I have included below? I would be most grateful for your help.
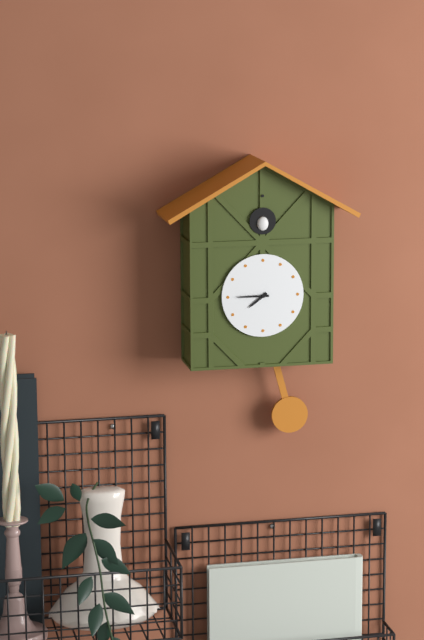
7:45
